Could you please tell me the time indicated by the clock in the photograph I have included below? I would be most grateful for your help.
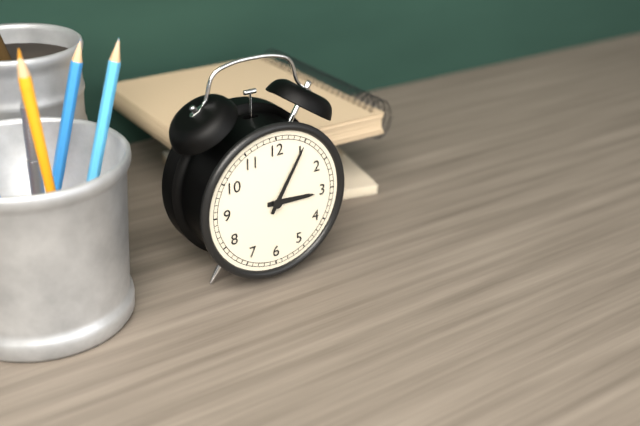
3:05
